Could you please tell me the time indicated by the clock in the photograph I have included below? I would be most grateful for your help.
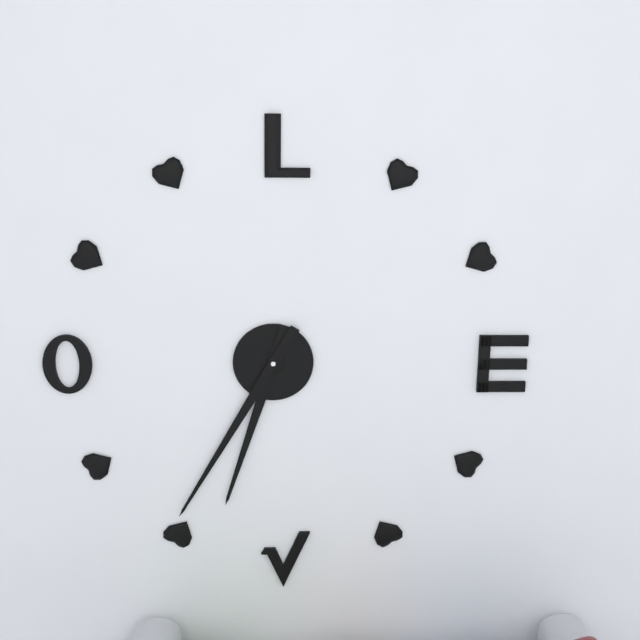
6:35
